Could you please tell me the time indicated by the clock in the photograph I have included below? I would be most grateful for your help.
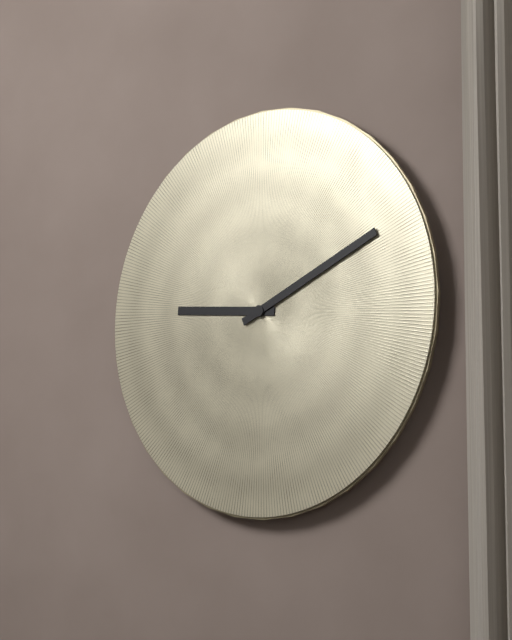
9:11
